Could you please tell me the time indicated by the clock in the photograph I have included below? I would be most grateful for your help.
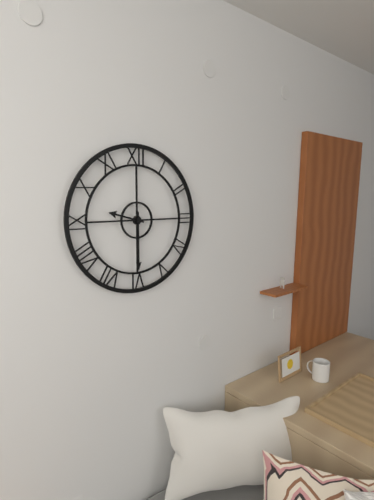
9:30
